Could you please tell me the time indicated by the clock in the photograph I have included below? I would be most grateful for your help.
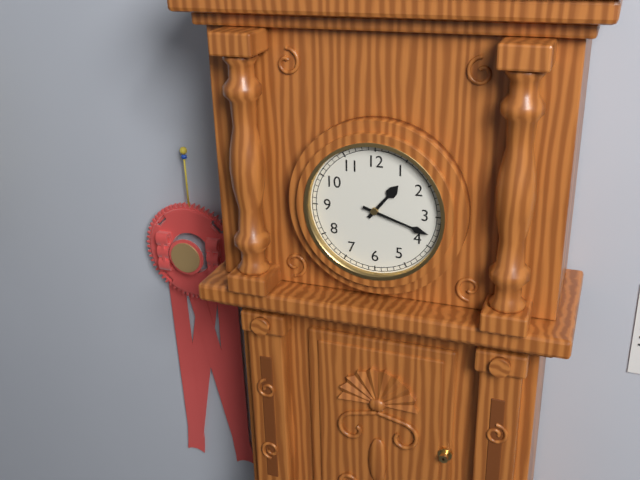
1:18
